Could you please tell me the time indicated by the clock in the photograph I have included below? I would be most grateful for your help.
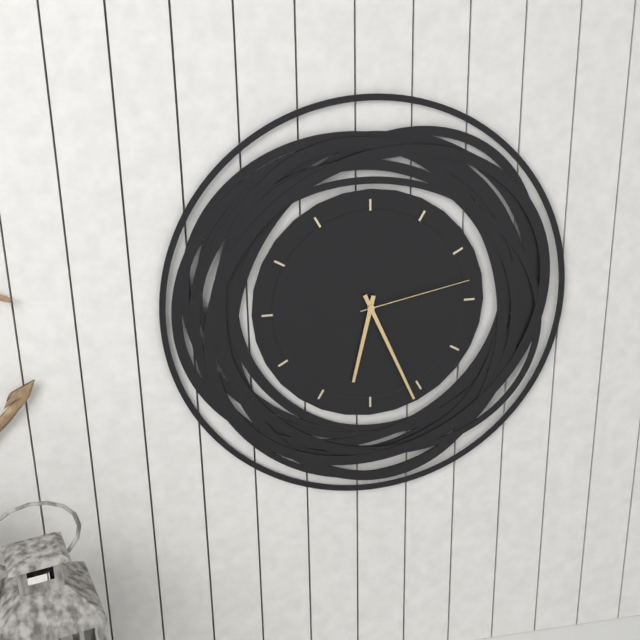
6:26:13
